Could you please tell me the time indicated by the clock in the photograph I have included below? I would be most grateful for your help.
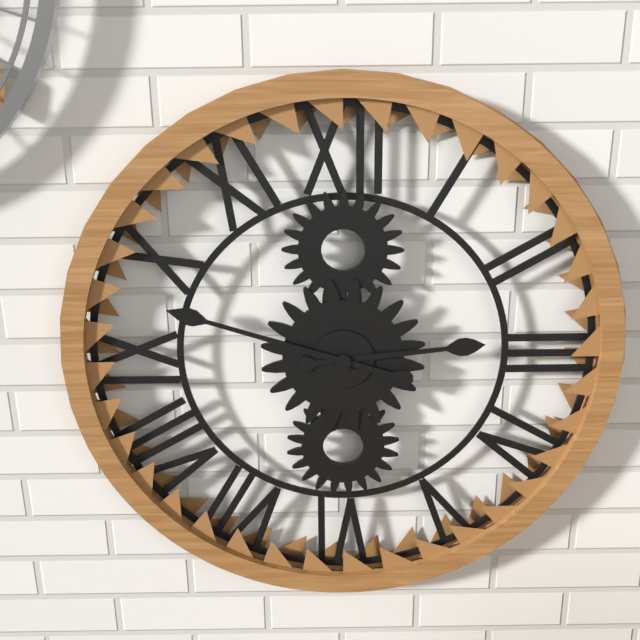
2:48
